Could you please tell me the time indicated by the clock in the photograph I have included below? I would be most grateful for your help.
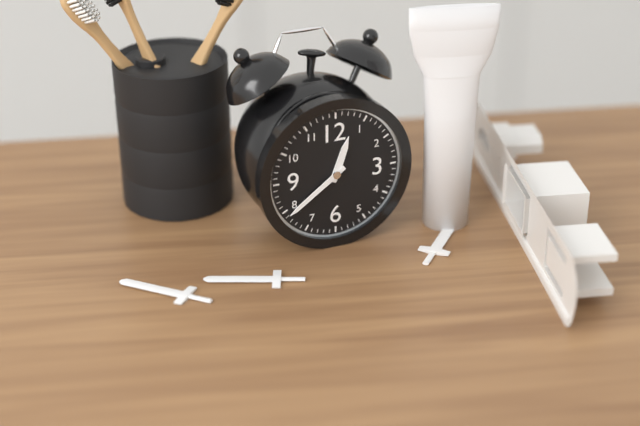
12:39
